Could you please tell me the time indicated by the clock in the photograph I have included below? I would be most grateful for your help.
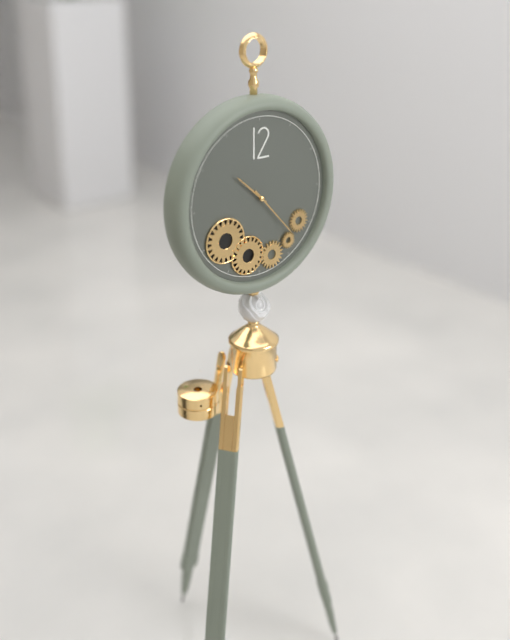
10:23
